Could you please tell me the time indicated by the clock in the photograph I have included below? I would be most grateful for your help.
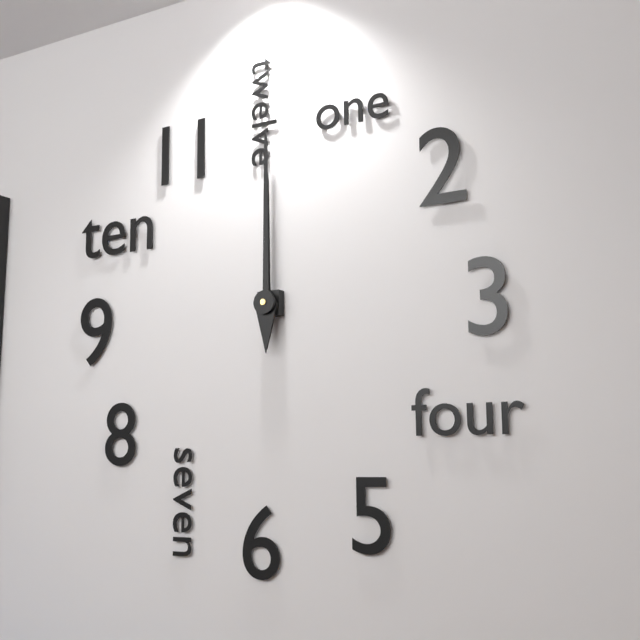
12:00
